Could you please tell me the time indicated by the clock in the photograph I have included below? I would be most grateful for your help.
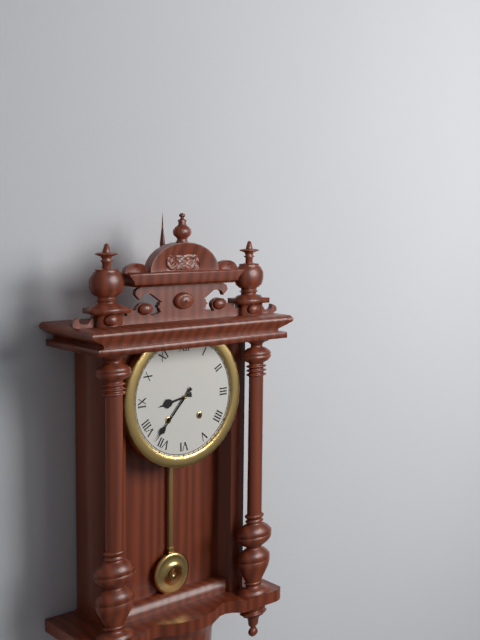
8:37
